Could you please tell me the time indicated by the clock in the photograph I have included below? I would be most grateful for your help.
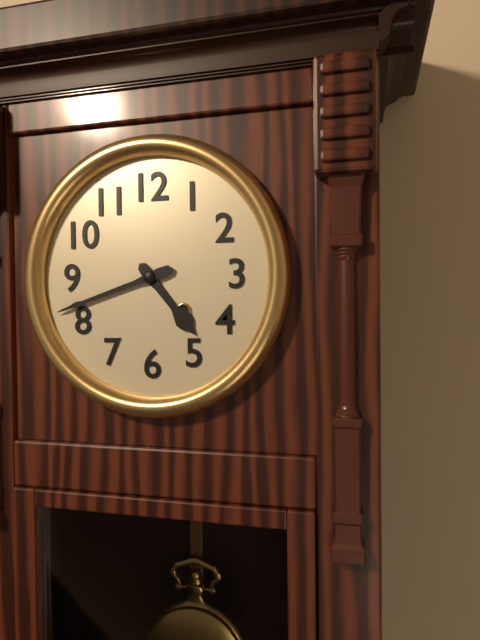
4:42
